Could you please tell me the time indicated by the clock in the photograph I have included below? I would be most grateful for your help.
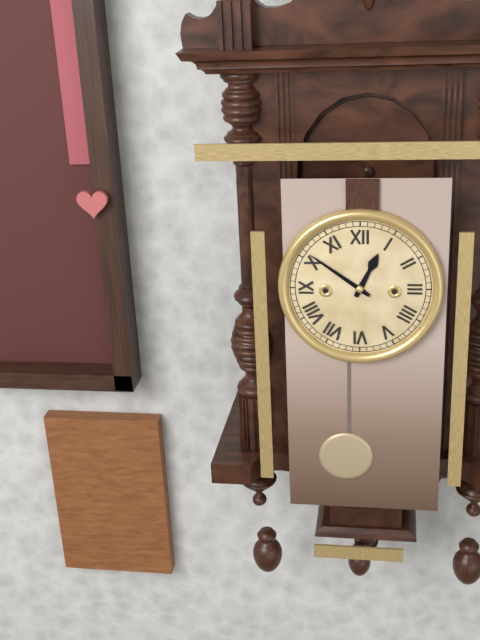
12:51
